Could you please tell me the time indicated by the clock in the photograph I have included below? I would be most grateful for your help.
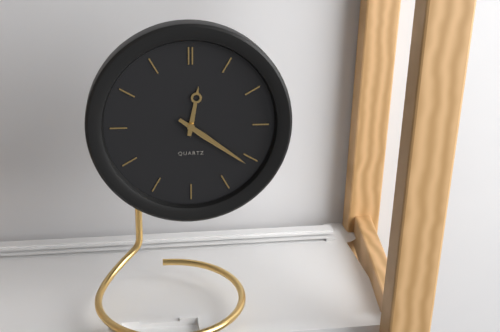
12:21
